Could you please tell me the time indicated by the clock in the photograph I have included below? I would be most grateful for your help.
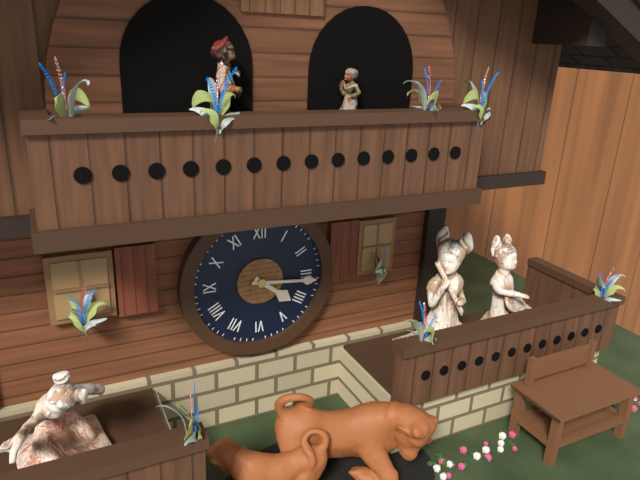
4:16
